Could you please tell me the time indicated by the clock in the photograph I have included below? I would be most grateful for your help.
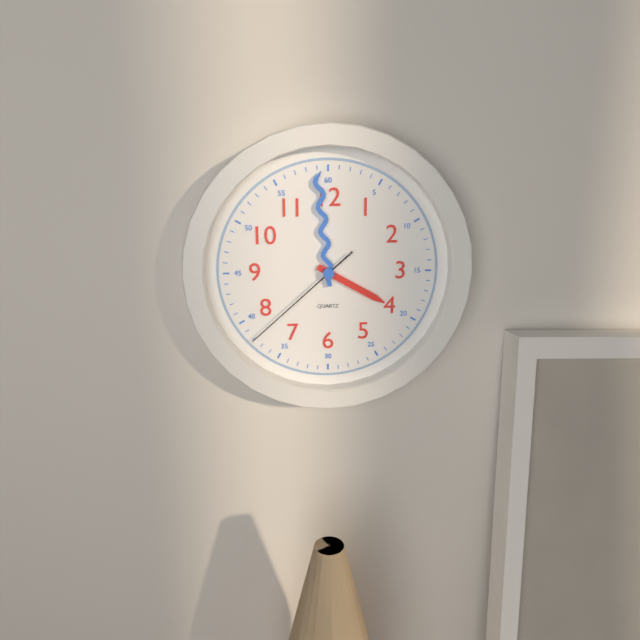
3:59:38
